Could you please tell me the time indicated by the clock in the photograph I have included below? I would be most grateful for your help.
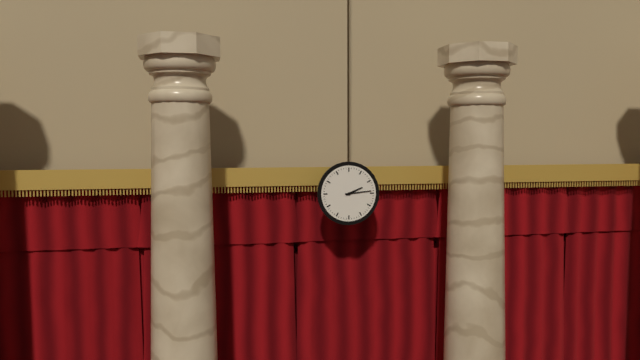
2:14
